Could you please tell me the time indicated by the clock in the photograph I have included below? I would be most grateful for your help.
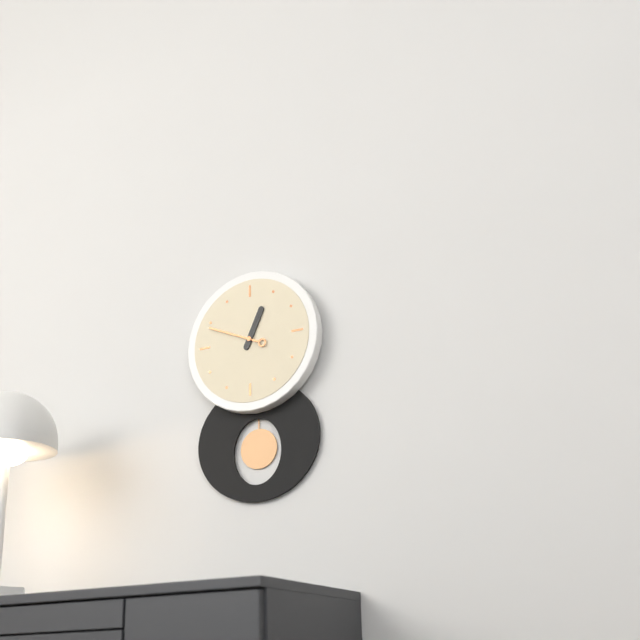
12:49
